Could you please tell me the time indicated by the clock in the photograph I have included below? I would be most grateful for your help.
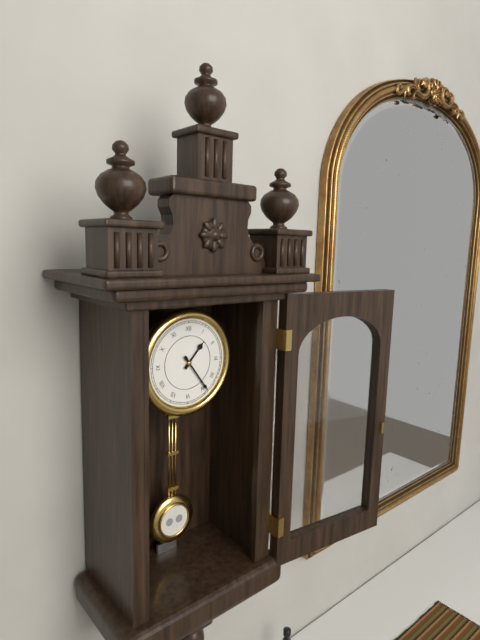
1:24
